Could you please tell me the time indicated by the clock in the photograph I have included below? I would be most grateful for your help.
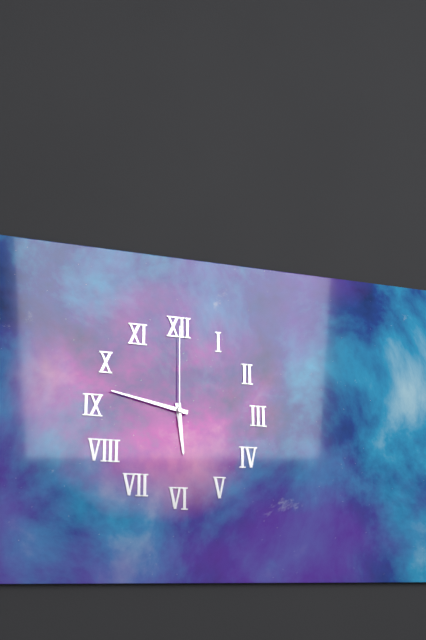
5:47:00
